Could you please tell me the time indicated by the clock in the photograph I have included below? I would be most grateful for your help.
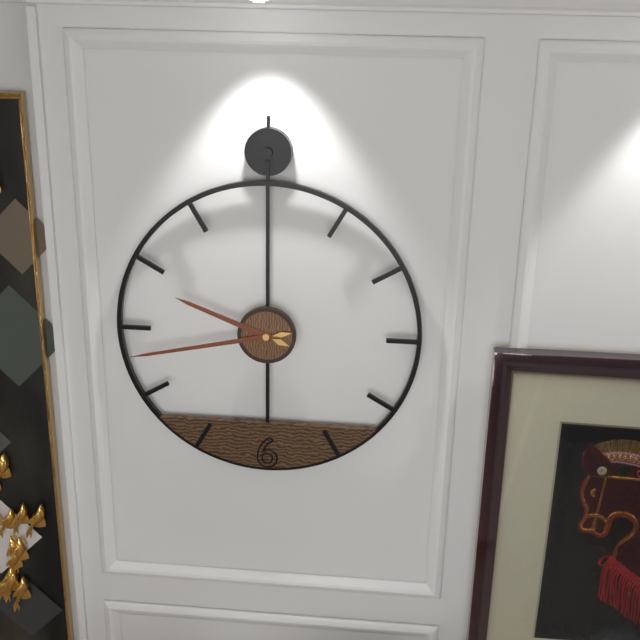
9:43
